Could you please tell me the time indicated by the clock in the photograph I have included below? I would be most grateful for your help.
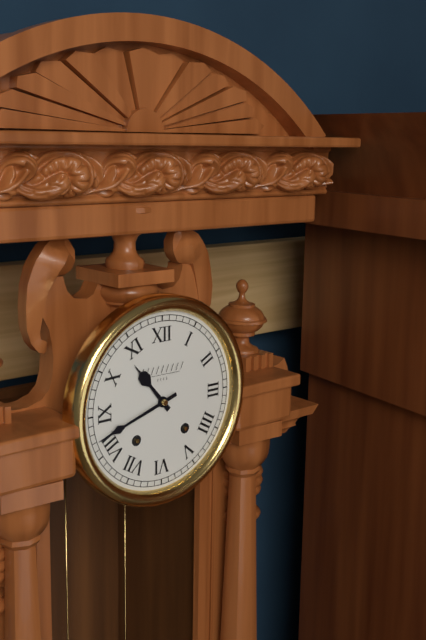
10:42
